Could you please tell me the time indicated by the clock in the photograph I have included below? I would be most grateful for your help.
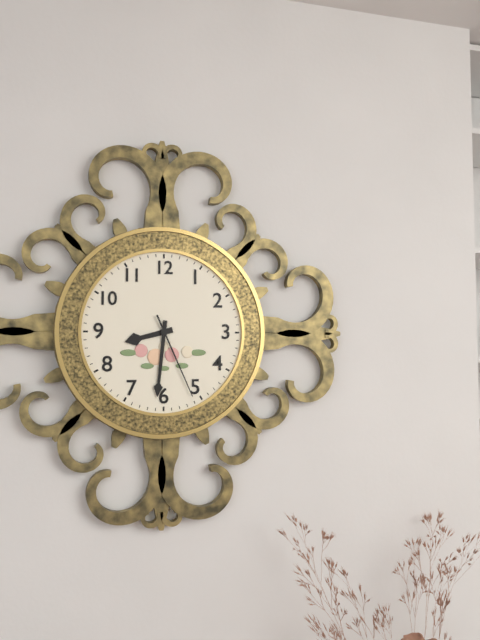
8:31:26
